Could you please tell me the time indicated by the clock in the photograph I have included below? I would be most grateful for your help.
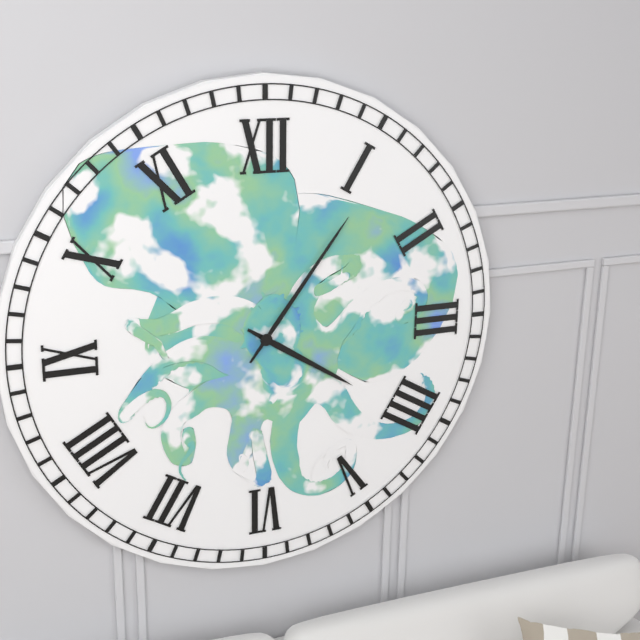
4:06
